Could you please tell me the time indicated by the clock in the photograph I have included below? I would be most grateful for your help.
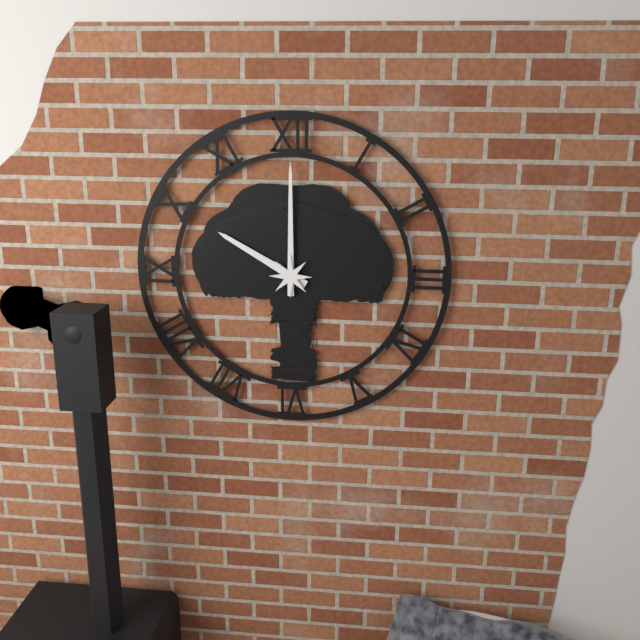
10:00
